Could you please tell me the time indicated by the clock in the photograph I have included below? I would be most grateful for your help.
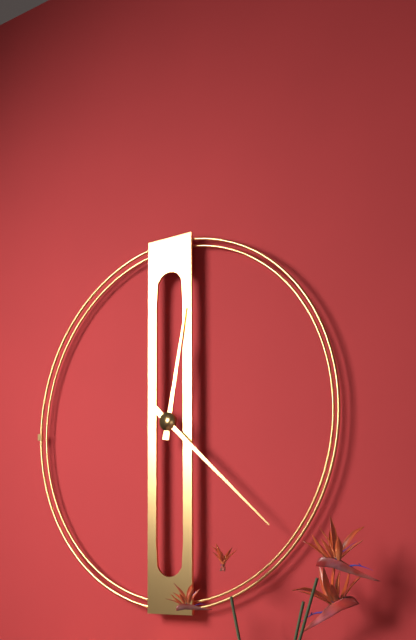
12:22
